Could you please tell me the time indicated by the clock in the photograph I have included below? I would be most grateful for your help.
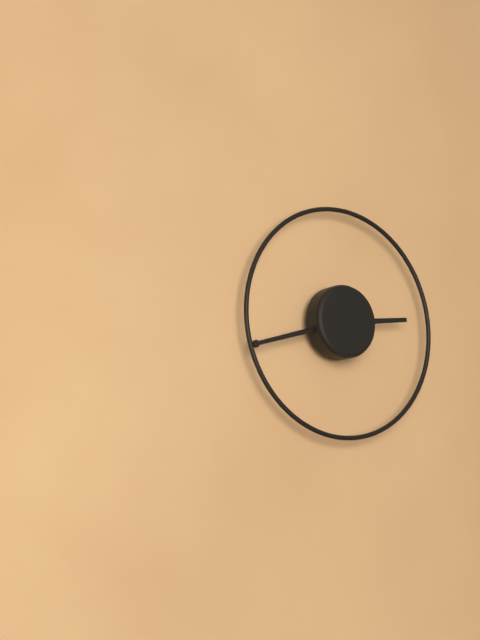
2:42
